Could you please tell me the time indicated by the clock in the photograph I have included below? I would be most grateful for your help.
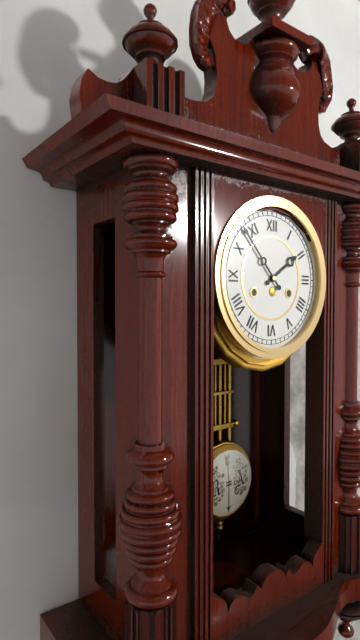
1:53
